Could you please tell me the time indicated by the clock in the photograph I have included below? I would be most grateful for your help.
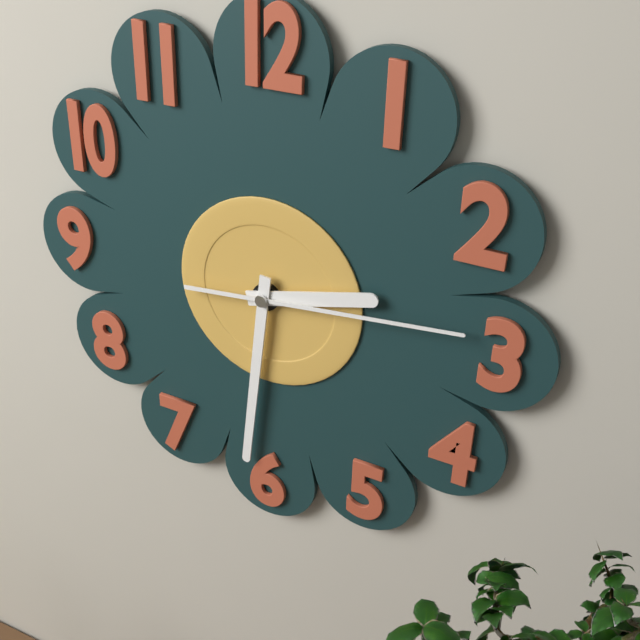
2:31:14
